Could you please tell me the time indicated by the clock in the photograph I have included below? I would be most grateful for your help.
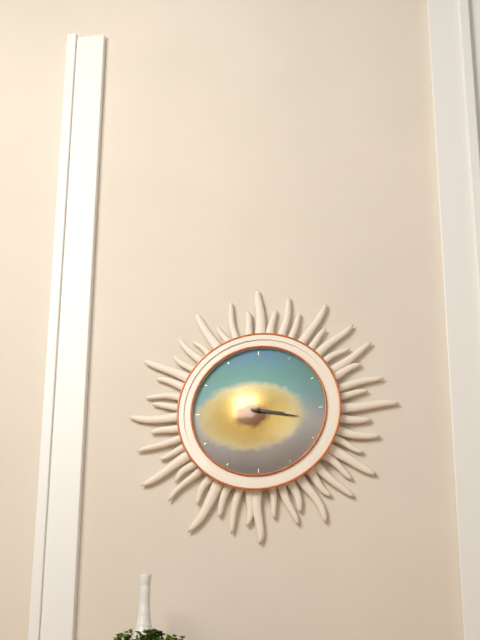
3:17
